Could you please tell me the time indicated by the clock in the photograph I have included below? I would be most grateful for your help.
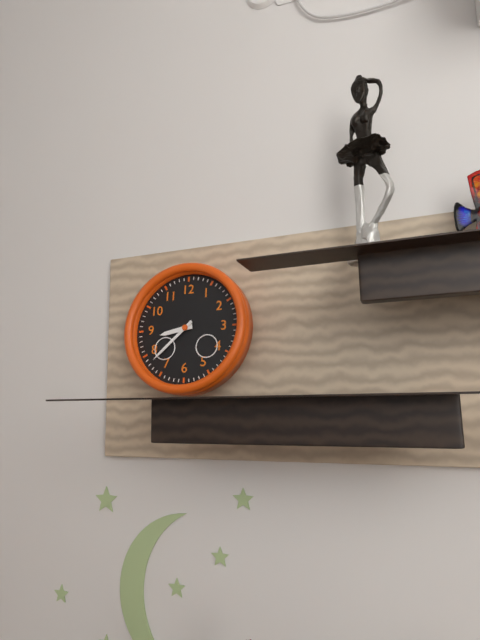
8:38
